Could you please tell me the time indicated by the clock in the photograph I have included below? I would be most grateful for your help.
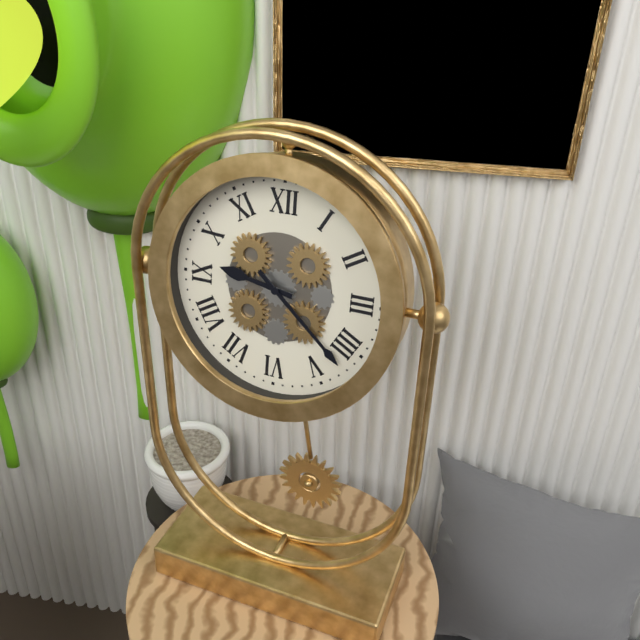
9:22
